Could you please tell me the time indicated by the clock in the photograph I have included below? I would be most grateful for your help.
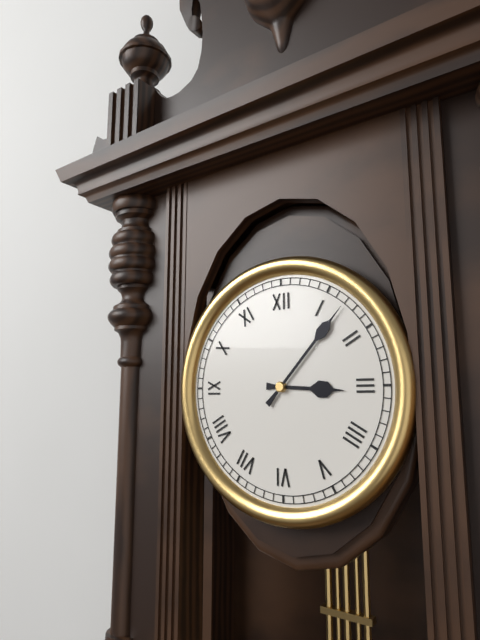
3:07
